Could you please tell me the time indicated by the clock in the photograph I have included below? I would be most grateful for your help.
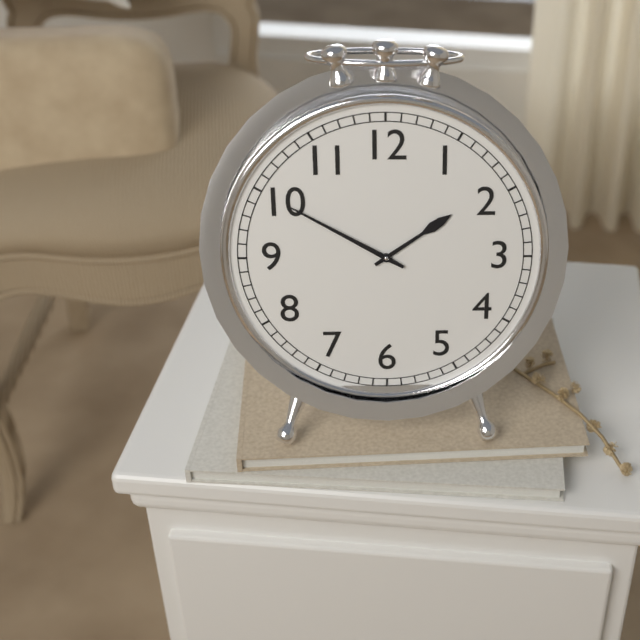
1:50
